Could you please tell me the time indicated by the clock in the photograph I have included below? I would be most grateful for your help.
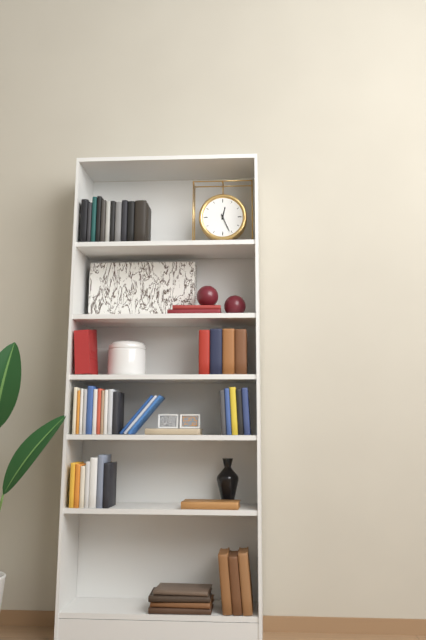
12:26
